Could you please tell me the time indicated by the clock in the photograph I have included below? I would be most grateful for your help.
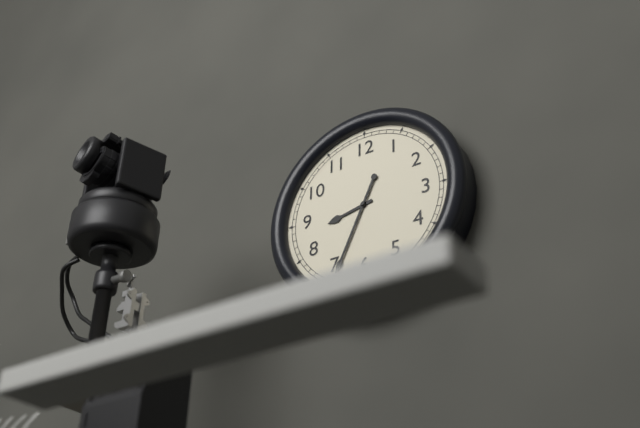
8:34
